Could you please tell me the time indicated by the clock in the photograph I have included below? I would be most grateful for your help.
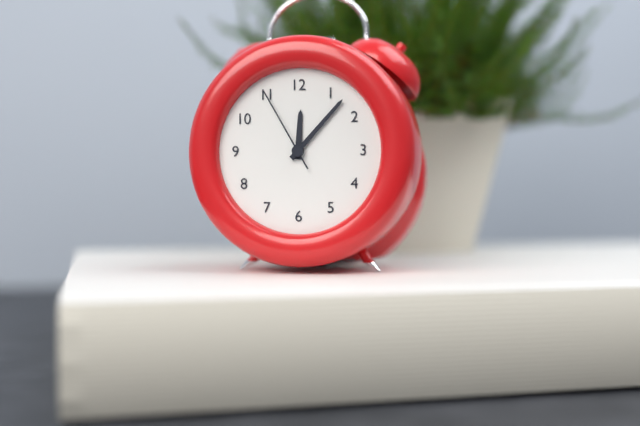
12:07:55
